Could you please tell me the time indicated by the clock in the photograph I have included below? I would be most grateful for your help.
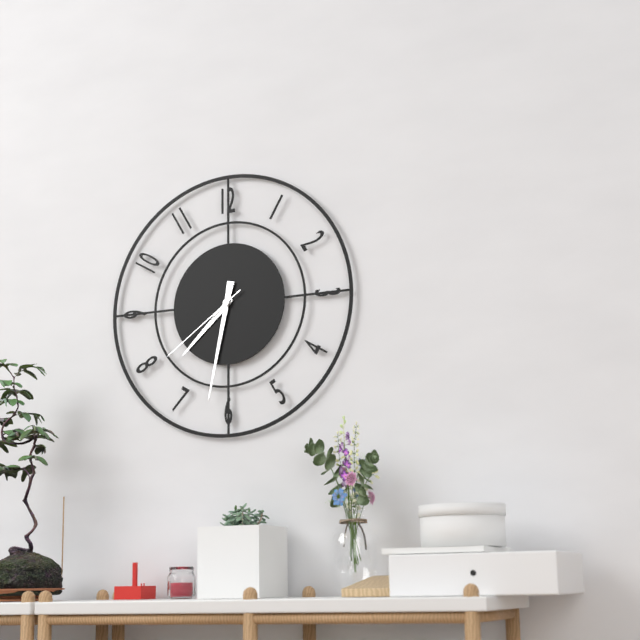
7:32:39
